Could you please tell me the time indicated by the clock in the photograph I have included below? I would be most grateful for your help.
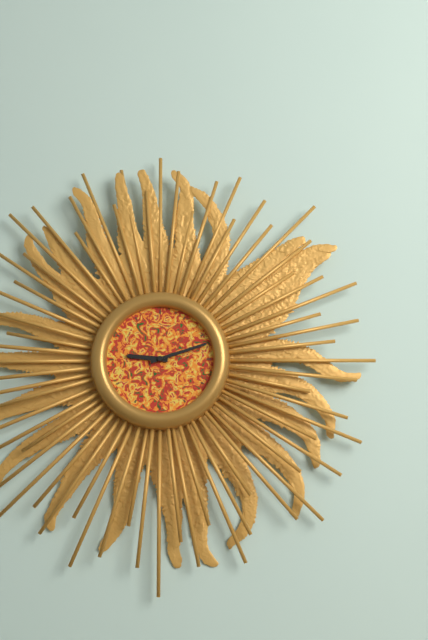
9:12
